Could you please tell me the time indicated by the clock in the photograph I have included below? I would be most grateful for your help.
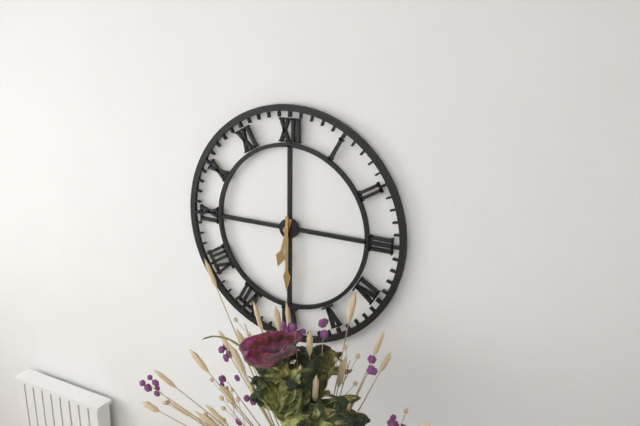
6:30
